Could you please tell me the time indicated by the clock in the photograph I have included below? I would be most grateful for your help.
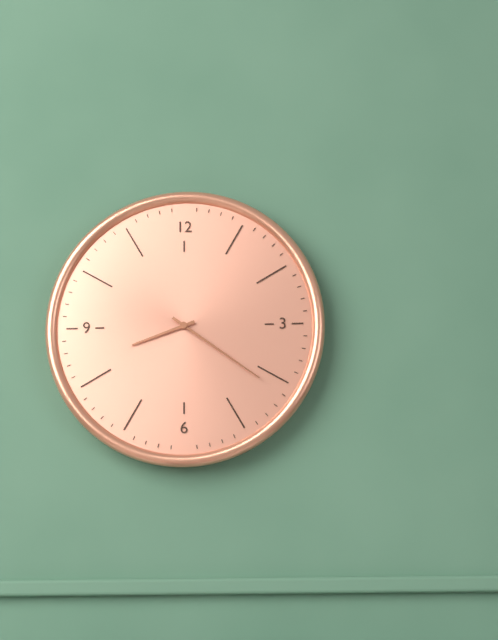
8:21
